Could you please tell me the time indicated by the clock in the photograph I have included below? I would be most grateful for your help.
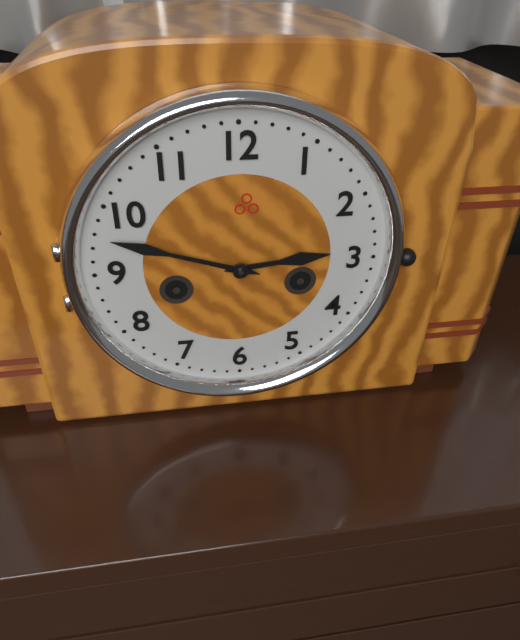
2:48
